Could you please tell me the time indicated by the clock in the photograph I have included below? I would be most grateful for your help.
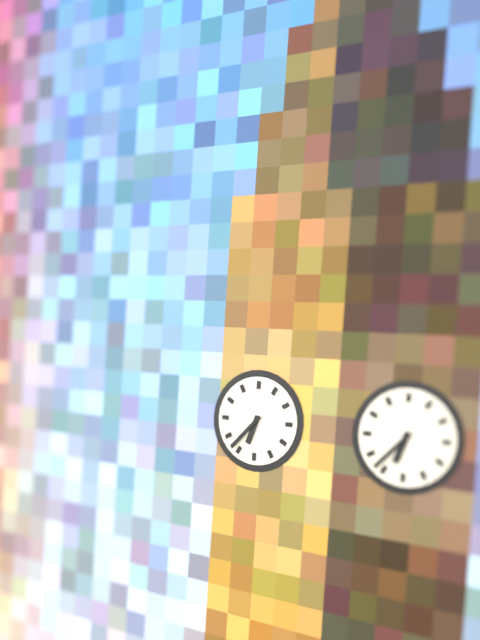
6:37
